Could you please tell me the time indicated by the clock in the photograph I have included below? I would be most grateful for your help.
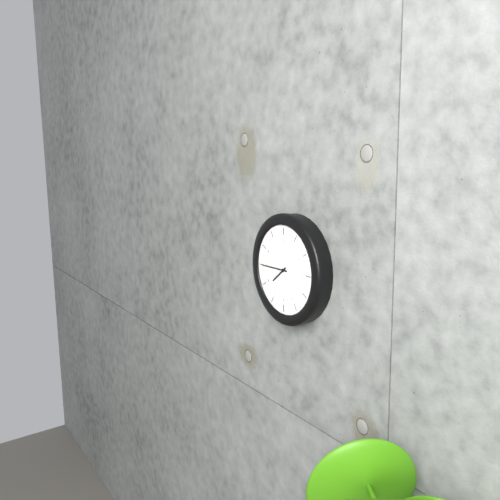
7:45
